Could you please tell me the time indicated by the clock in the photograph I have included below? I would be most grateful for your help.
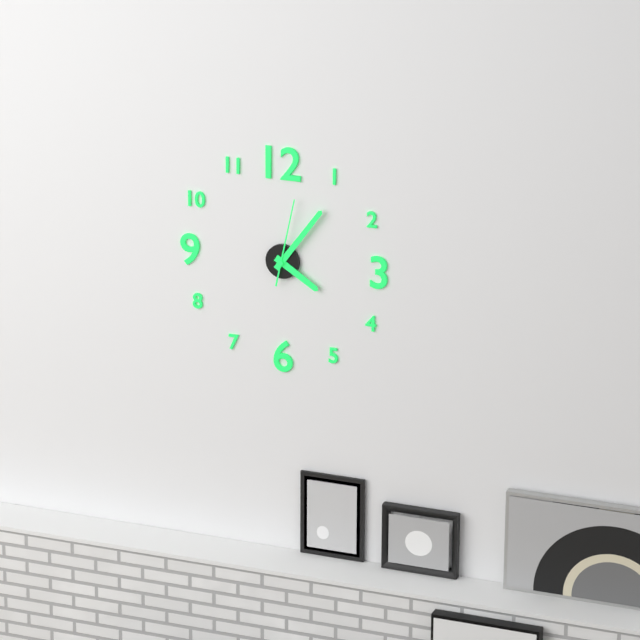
4:06:02
